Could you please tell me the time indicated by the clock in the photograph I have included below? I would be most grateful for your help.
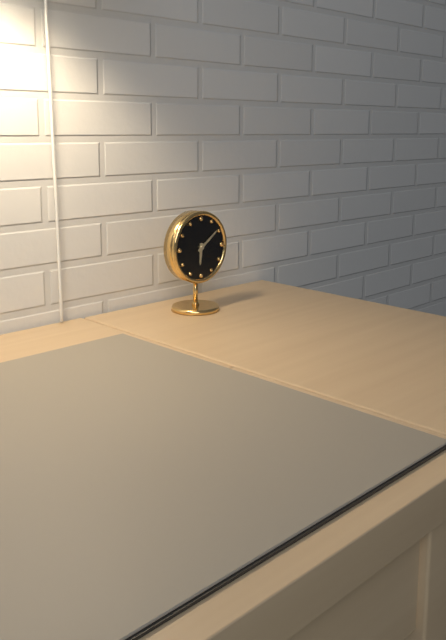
6:09
